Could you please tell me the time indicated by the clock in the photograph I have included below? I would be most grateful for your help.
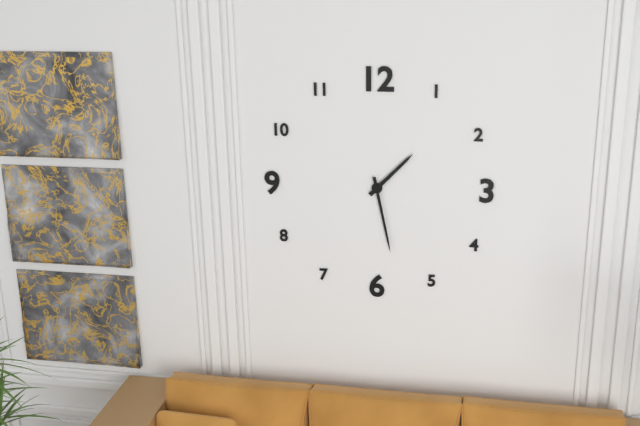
1:28
